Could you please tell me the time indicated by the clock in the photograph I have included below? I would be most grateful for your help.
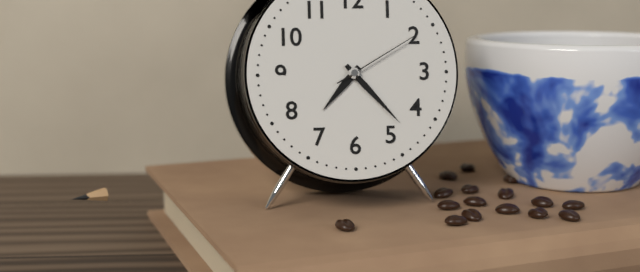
7:23:10
